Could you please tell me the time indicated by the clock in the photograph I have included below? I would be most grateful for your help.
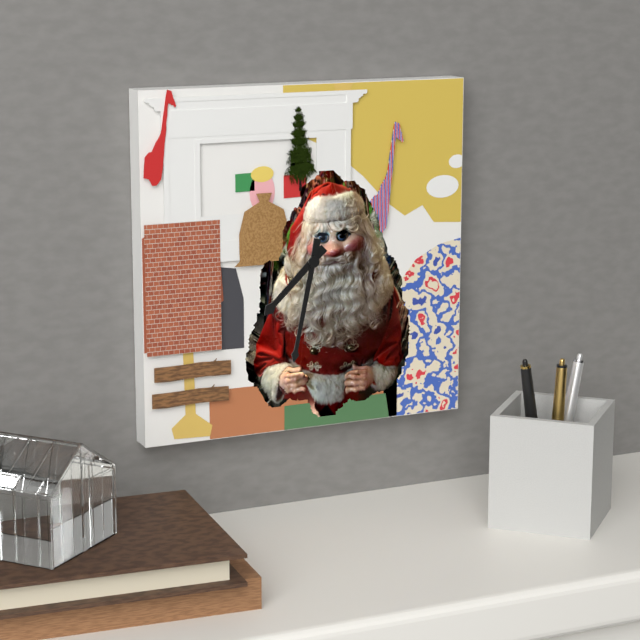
7:32
